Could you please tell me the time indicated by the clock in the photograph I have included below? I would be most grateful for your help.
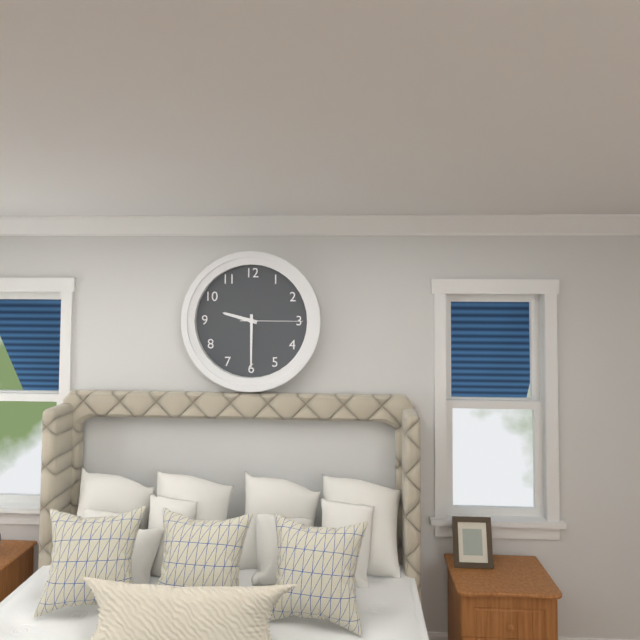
9:30:15
